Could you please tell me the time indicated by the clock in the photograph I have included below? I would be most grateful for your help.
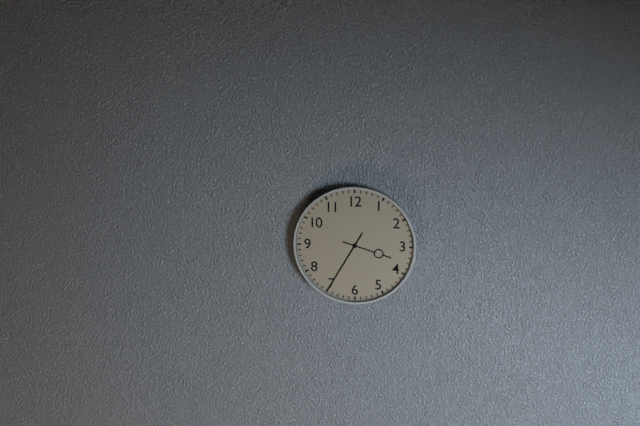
3:35
